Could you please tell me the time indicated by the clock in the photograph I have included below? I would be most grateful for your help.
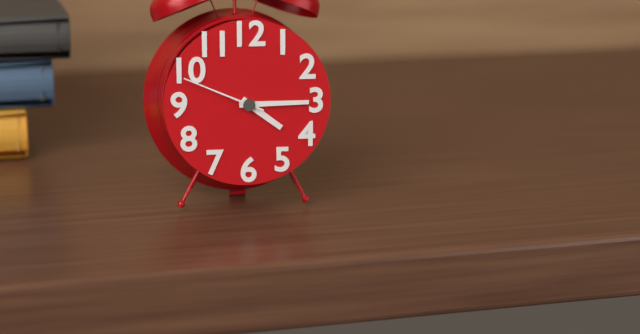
4:15:49
